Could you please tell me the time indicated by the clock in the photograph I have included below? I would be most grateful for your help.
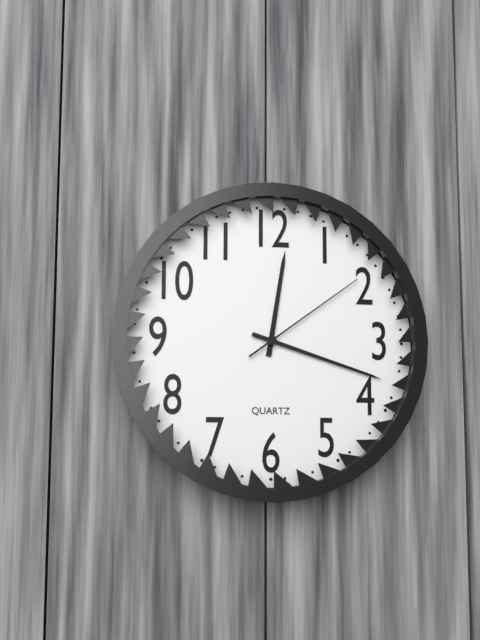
12:18:09
